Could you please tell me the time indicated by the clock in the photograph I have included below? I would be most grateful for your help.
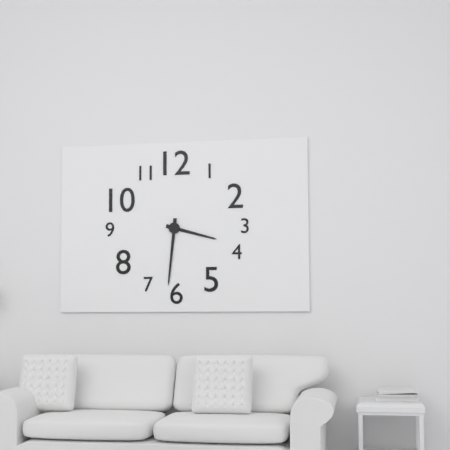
3:31
